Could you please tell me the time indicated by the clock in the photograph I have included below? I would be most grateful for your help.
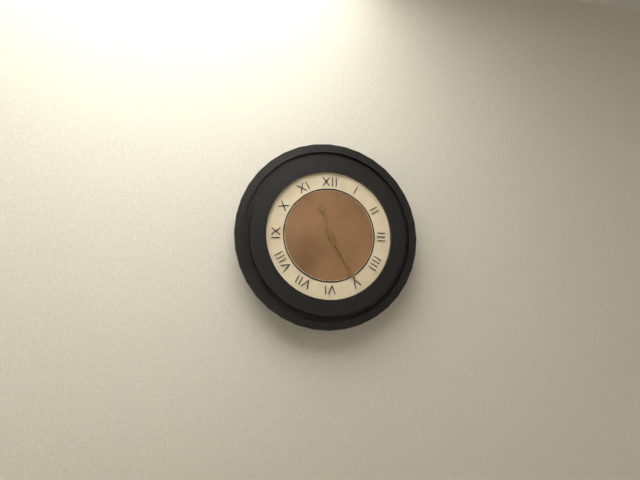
11:25
